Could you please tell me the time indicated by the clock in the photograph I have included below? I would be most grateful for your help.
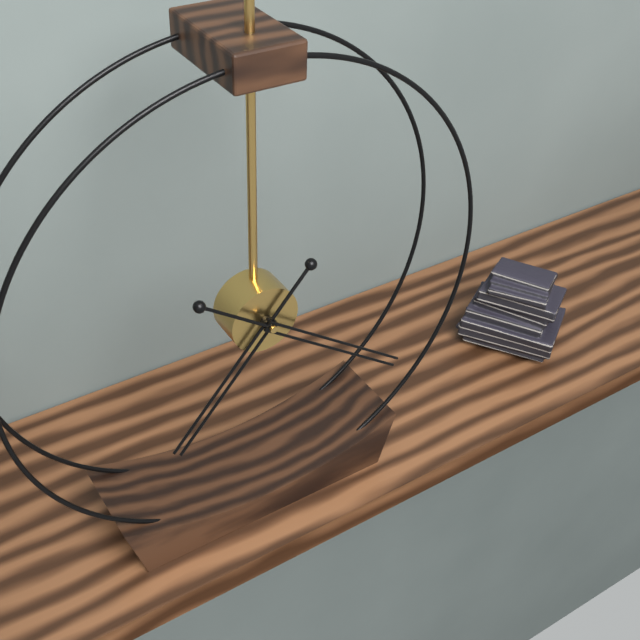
7:21
